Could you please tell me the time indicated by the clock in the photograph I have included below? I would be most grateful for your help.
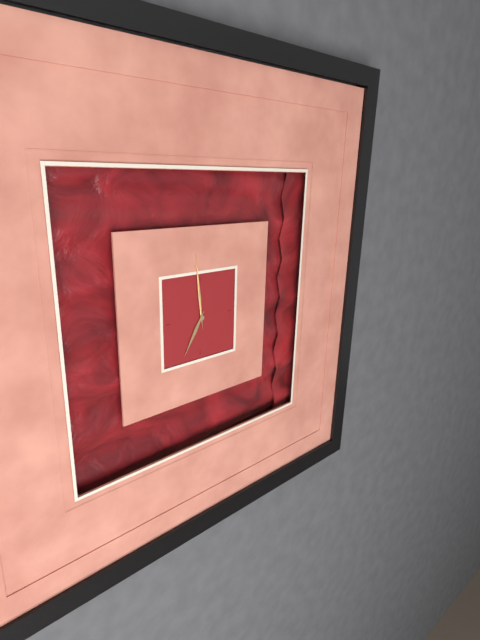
6:59:59
